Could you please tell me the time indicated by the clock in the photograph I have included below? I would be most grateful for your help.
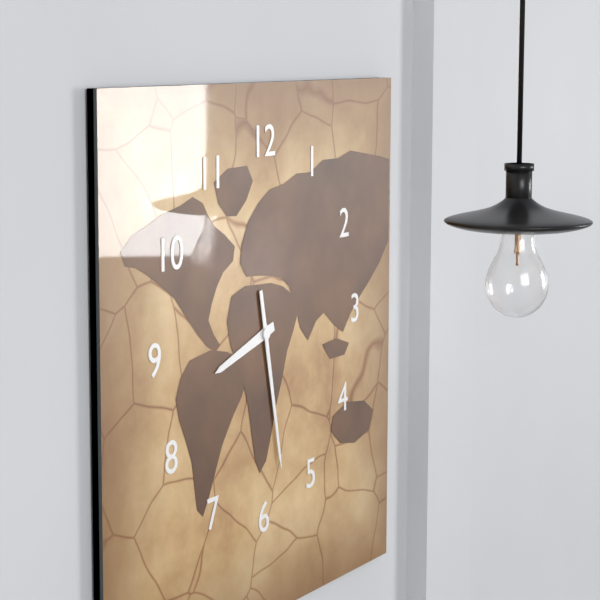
8:28
